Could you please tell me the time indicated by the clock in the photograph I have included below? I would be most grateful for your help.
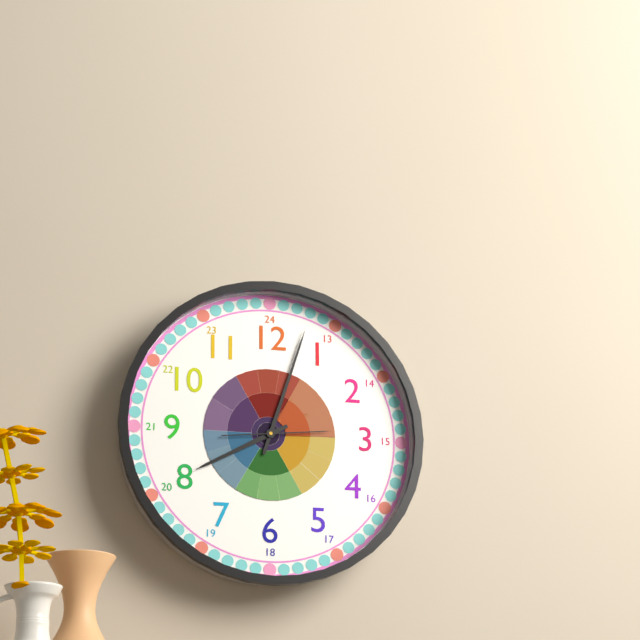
8:03:14
